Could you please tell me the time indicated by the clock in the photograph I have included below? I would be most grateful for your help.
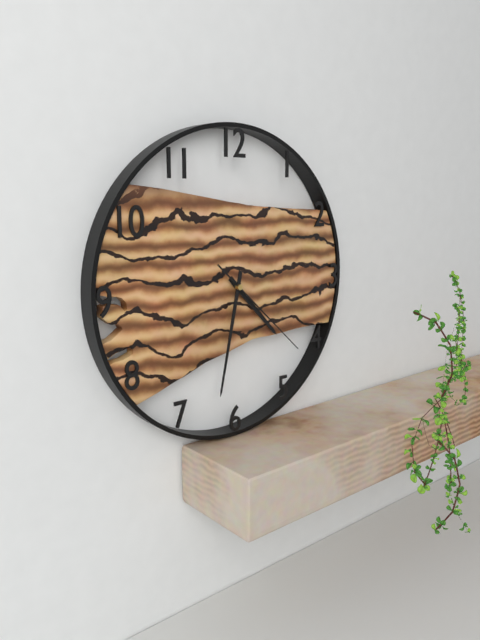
4:32:22
